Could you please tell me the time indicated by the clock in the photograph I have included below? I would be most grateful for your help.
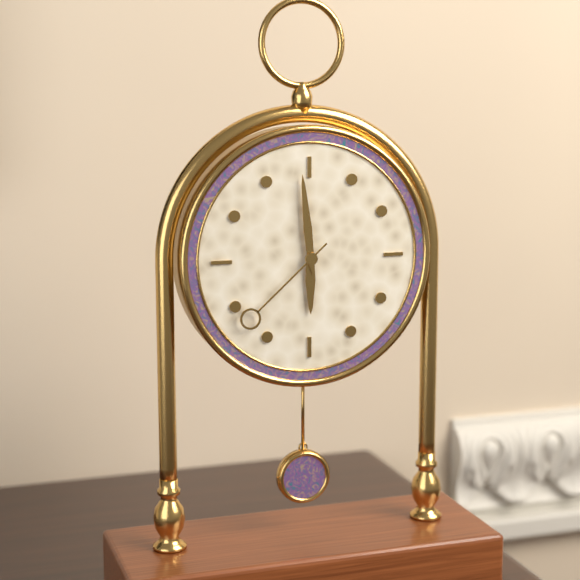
5:59:38
